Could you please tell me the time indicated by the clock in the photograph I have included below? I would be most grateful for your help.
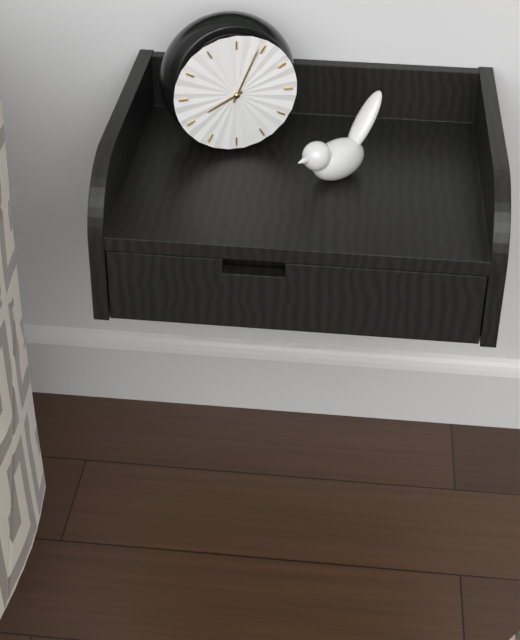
8:04
